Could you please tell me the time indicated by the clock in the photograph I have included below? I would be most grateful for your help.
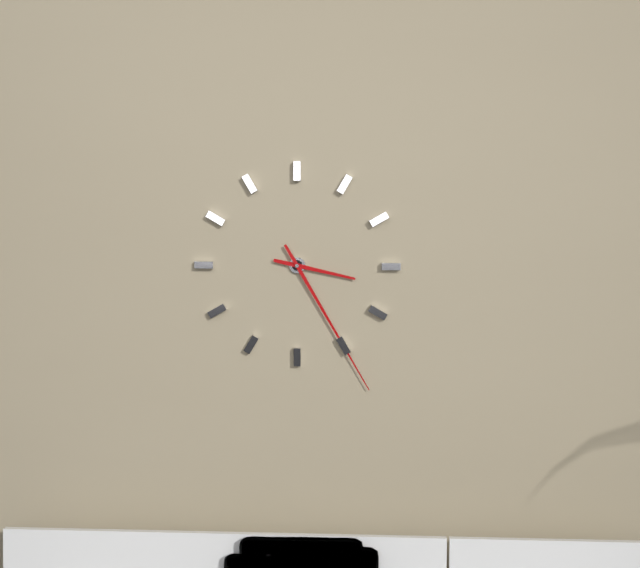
3:25
